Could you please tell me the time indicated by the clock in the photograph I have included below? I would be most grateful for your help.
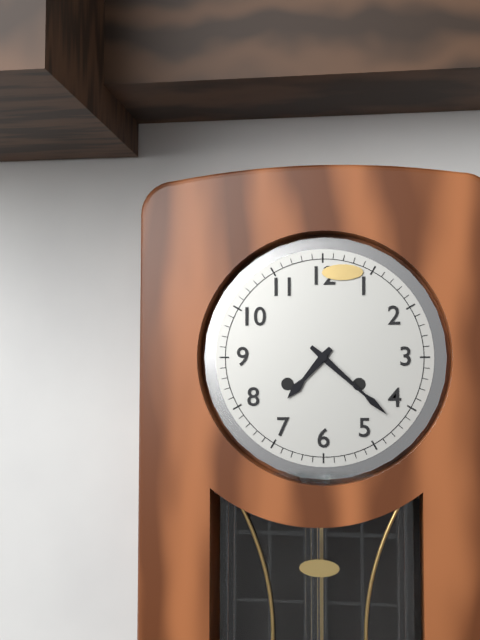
7:22
